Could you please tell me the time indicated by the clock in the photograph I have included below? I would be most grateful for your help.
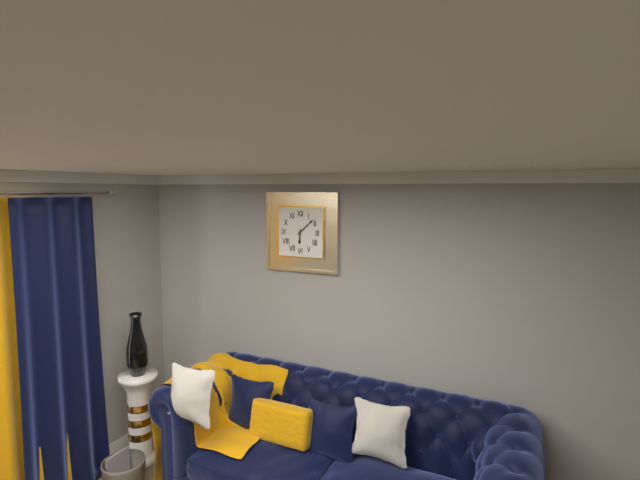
6:08
